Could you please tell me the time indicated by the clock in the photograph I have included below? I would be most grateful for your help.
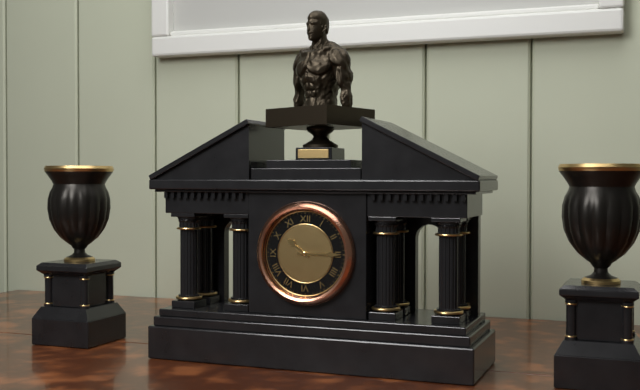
10:15
